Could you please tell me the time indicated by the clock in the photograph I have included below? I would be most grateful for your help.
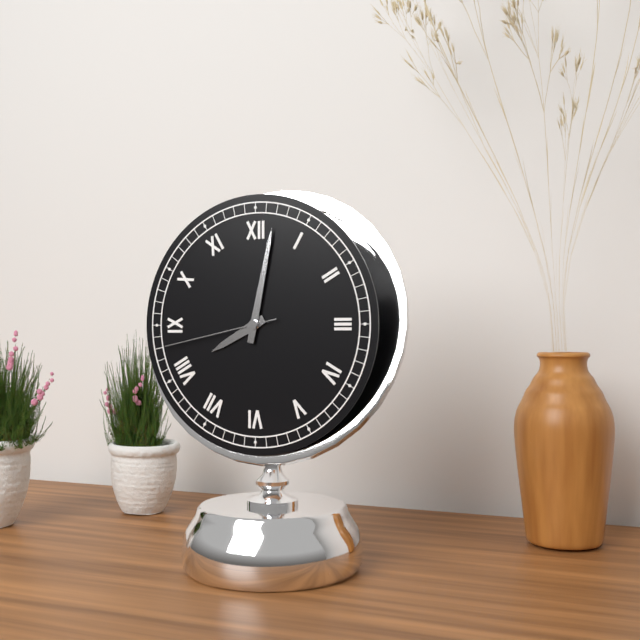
8:02:43
